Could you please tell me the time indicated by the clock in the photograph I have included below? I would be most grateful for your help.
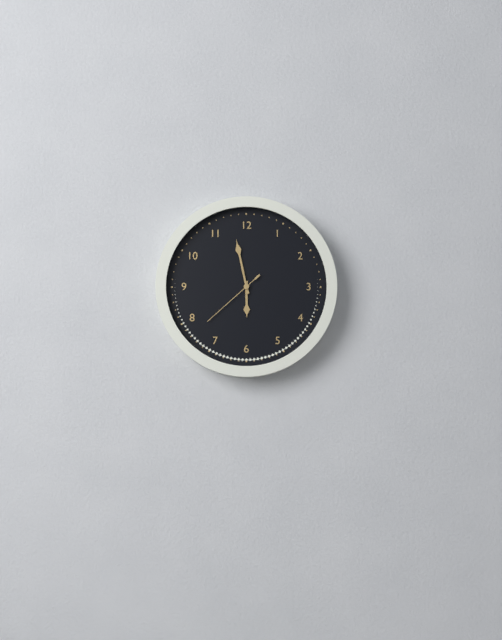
5:58:38
